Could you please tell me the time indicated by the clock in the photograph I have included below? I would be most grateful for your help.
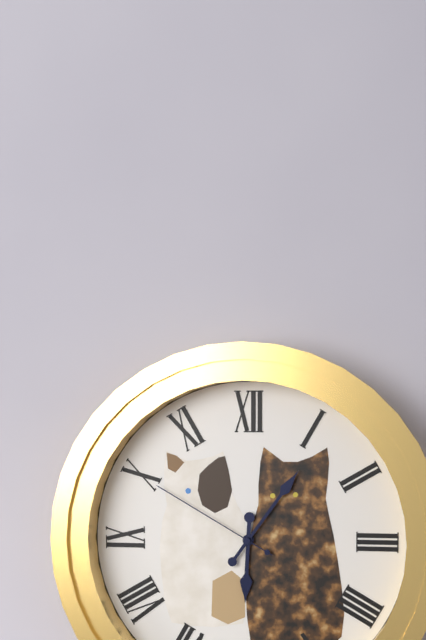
6:06:50
